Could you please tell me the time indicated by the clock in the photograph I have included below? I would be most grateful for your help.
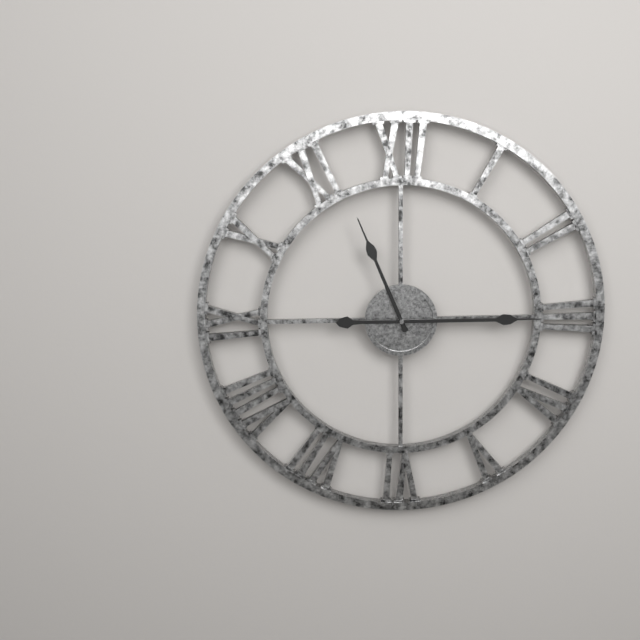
11:15
